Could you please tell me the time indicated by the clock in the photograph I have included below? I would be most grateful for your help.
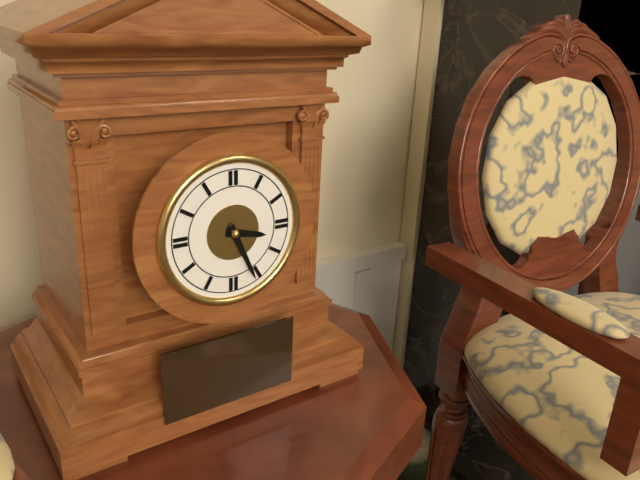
3:26
